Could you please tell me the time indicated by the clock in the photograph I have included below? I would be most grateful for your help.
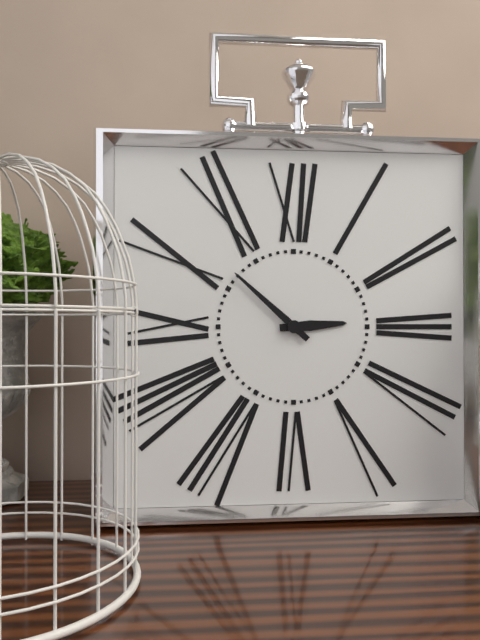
2:52
